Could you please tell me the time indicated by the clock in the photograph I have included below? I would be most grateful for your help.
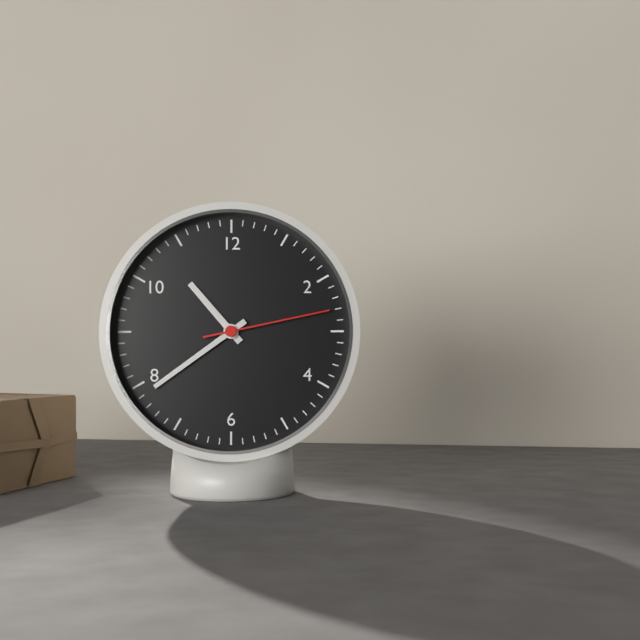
10:39:13
